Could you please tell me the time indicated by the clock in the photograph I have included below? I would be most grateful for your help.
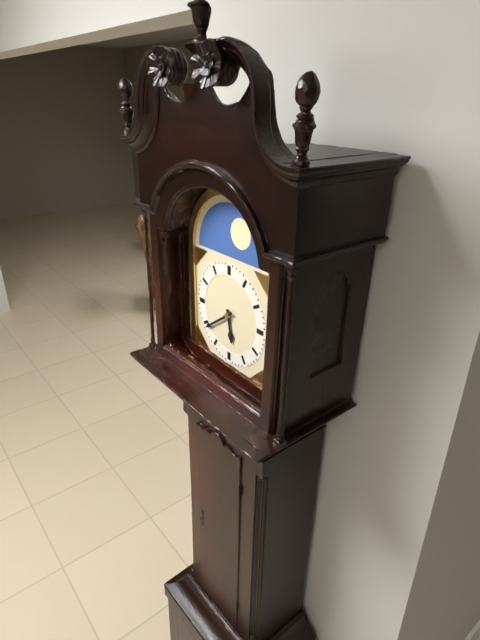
5:39
